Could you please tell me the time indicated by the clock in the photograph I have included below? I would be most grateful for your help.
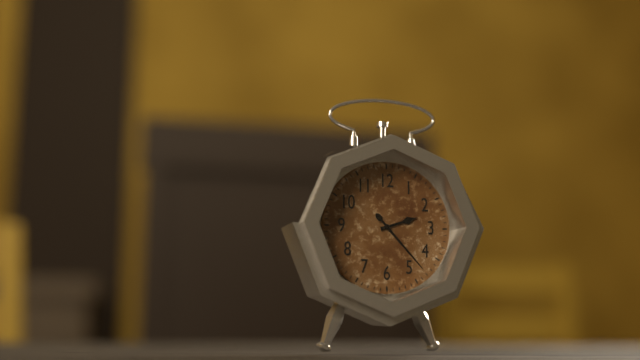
2:23
